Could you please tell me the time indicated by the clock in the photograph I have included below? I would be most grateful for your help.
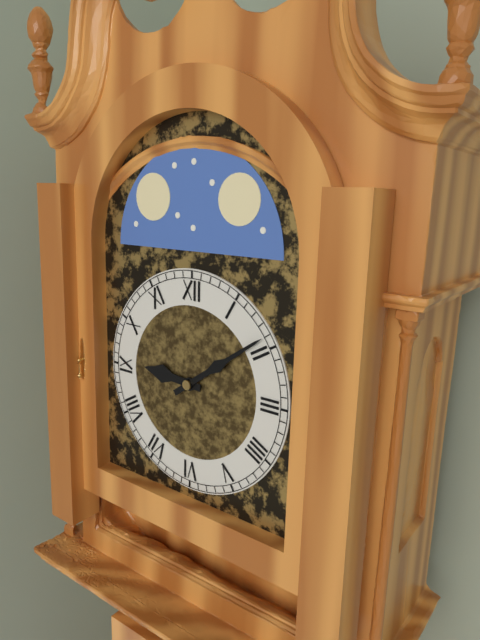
9:09
